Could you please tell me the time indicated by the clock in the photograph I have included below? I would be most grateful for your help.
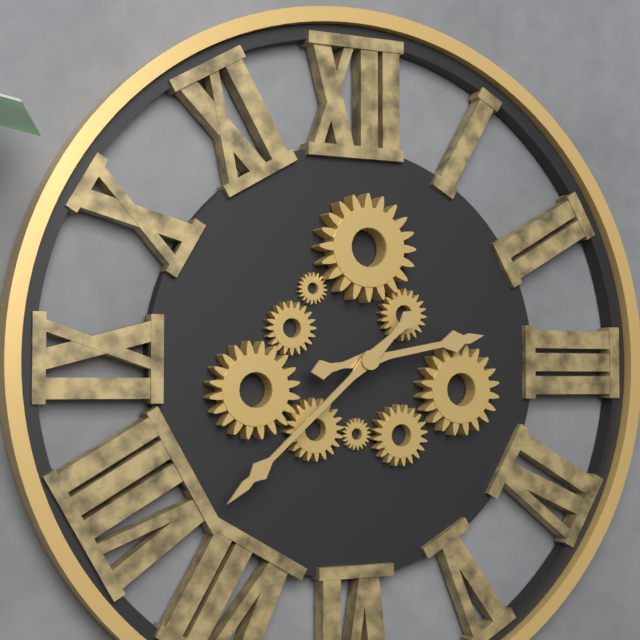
2:38
